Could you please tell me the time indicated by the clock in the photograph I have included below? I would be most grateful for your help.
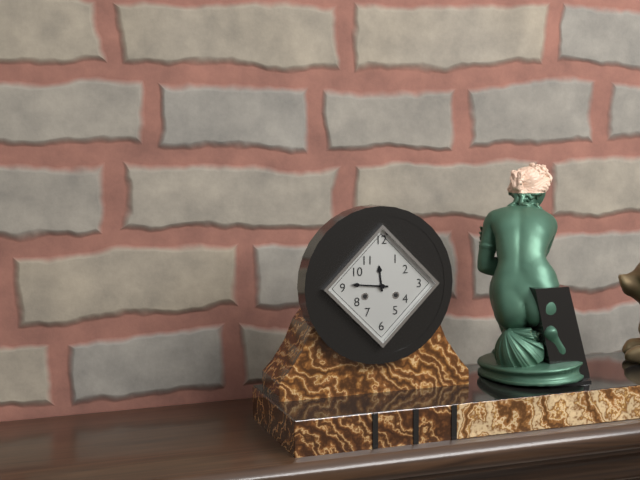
11:46
